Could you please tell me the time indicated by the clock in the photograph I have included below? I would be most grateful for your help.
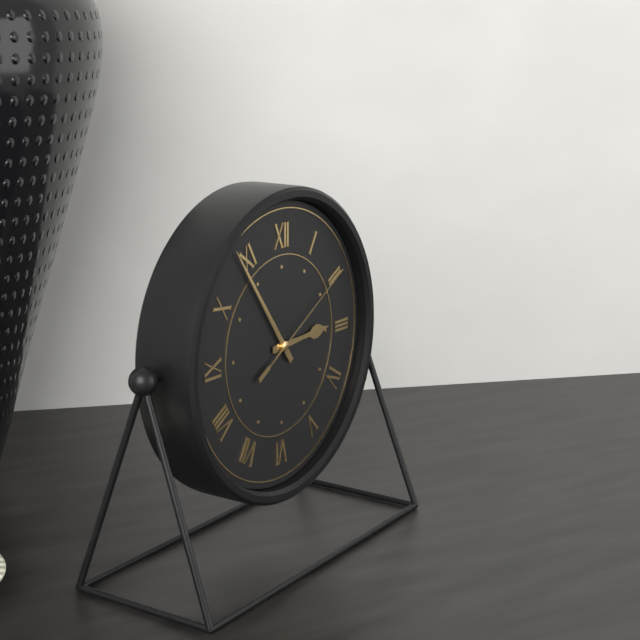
2:54:10
